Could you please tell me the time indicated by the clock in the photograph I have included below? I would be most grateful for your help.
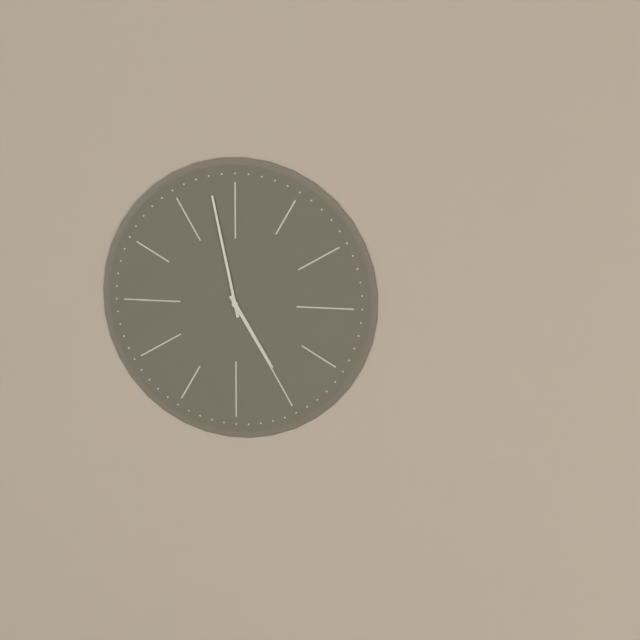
4:58
